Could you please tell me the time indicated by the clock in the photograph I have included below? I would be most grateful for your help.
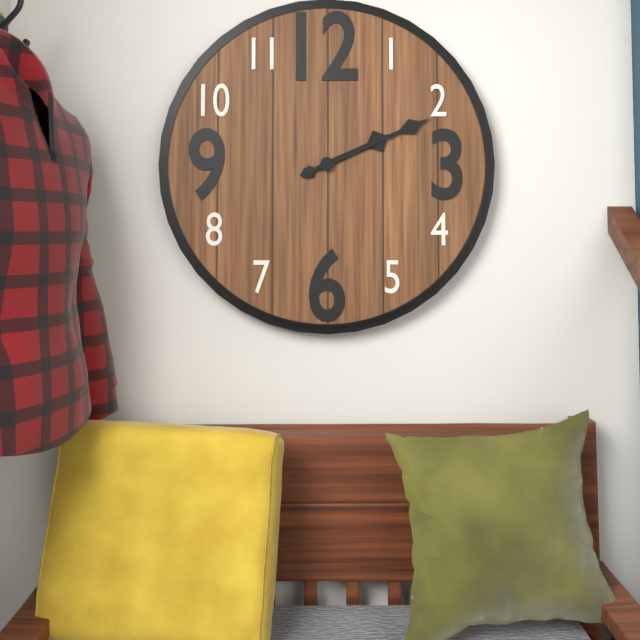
2:11
